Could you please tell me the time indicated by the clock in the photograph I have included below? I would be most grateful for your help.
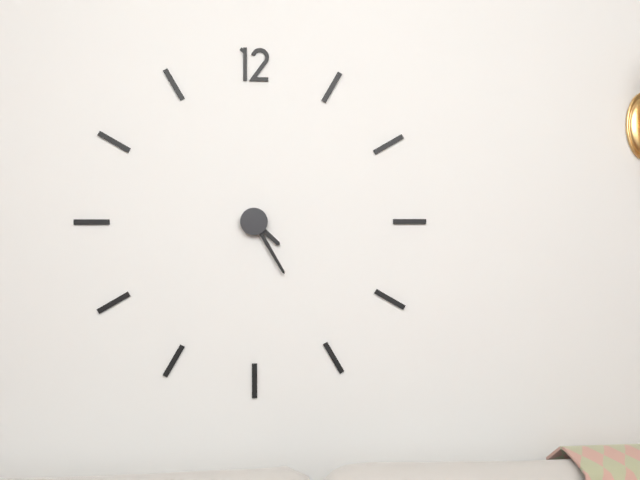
4:25
